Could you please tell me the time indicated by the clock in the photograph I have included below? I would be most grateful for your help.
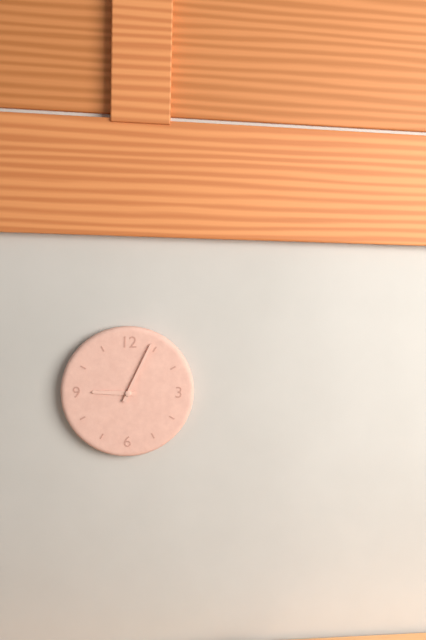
9:04
